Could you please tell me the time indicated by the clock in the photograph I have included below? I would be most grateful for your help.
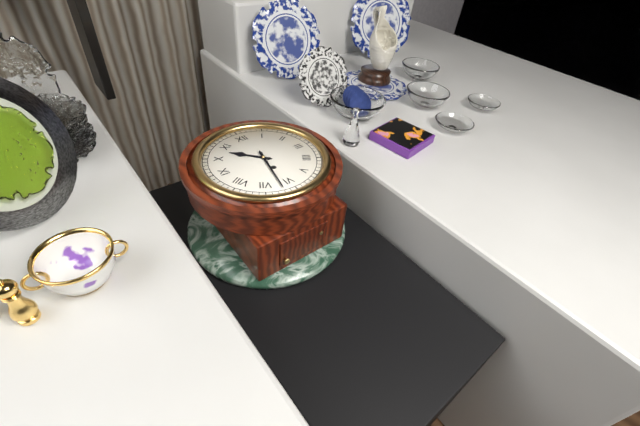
10:32
